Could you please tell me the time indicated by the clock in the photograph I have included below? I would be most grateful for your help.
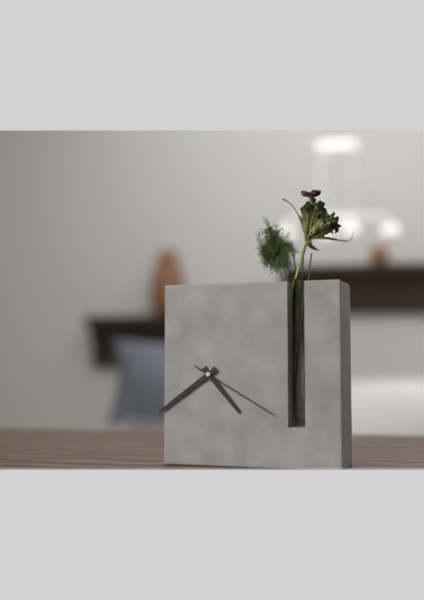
4:39:20
